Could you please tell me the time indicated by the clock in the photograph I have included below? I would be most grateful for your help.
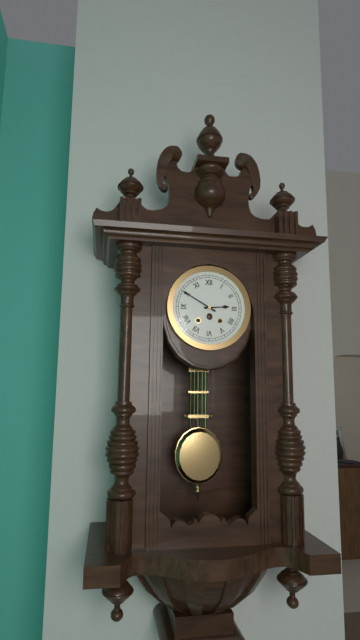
2:50
